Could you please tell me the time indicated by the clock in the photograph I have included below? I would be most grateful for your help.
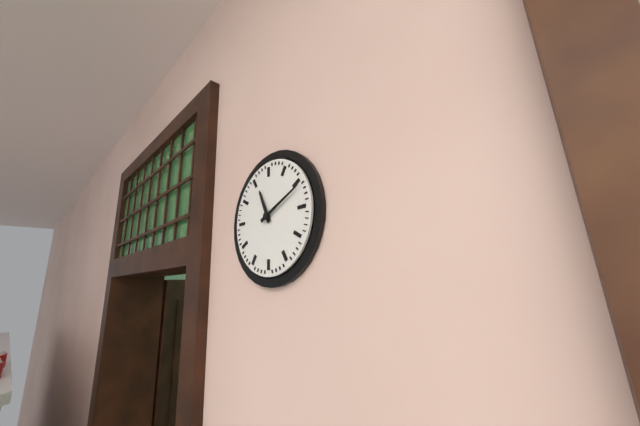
11:11
